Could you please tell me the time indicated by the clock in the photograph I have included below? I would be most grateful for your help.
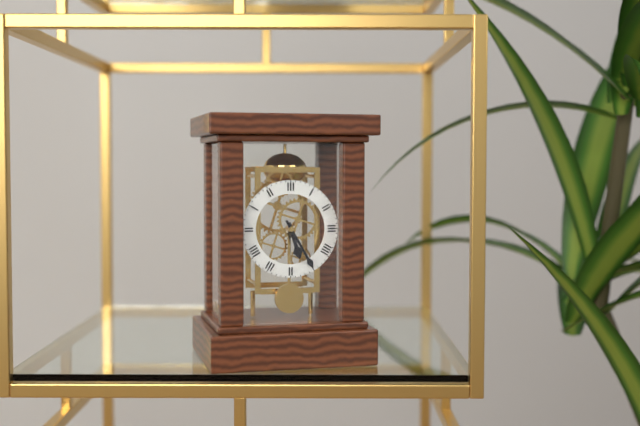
5:25
